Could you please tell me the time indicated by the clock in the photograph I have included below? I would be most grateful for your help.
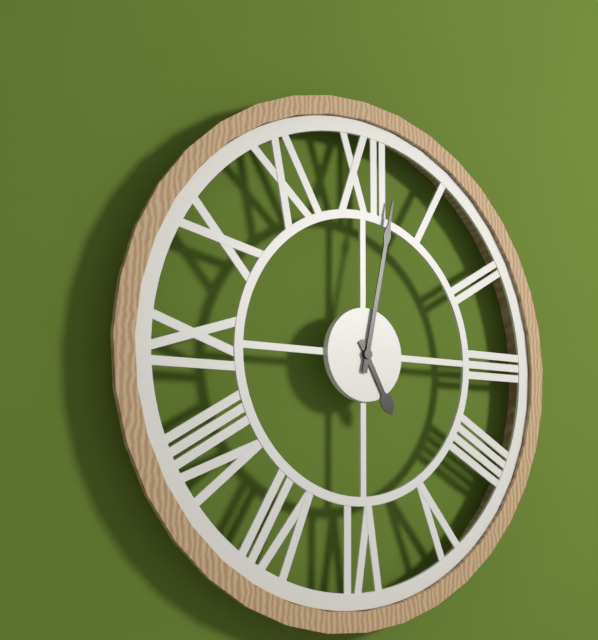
5:02
